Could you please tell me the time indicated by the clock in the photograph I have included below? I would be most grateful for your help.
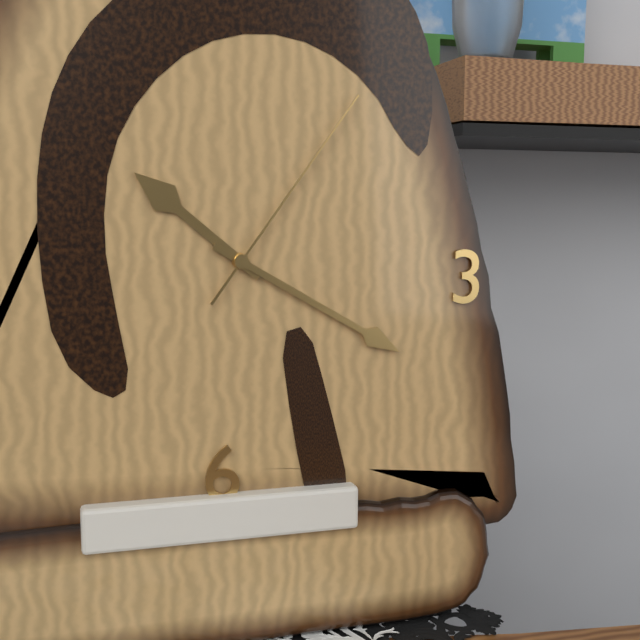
10:20:06
